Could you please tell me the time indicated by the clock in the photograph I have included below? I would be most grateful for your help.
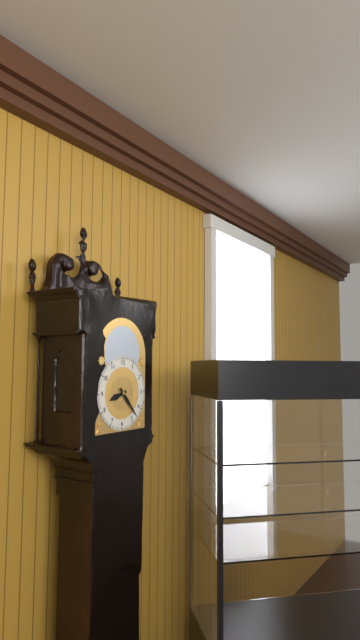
8:23
